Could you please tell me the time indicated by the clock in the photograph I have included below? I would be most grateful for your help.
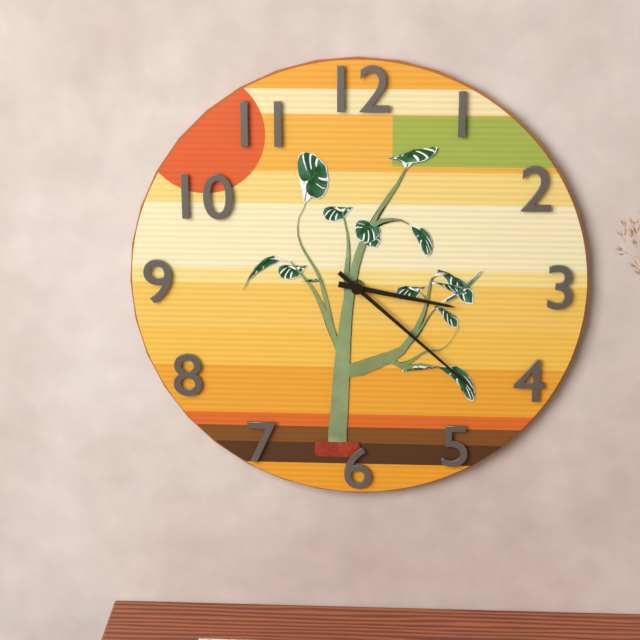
3:22
